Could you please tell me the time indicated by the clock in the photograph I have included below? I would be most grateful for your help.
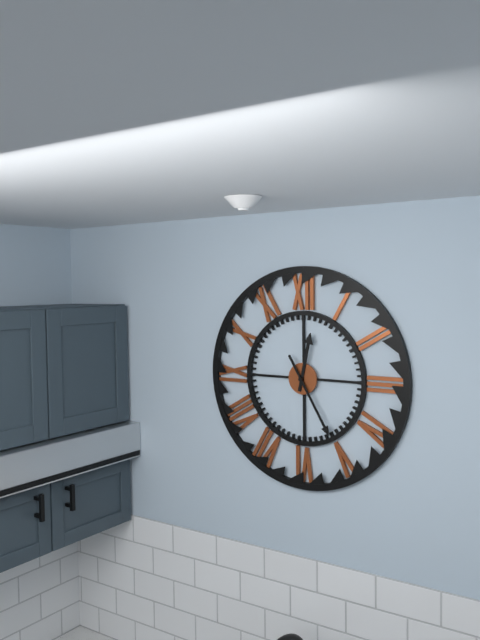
12:25
